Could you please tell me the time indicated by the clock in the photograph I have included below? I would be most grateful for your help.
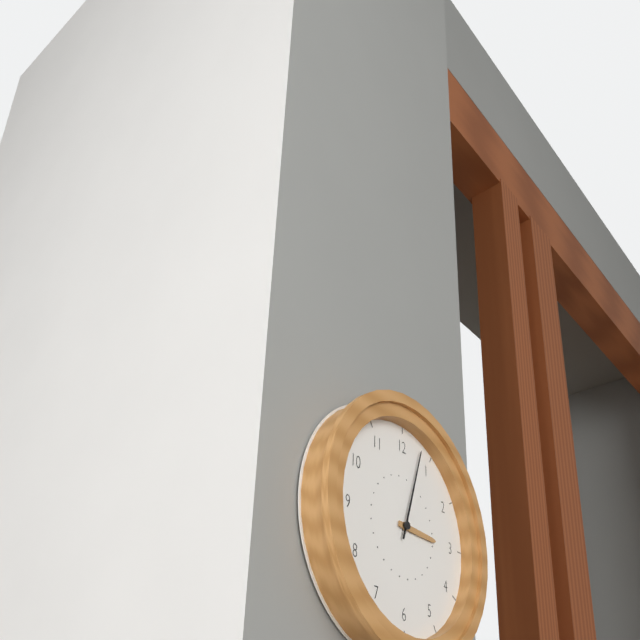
3:03
